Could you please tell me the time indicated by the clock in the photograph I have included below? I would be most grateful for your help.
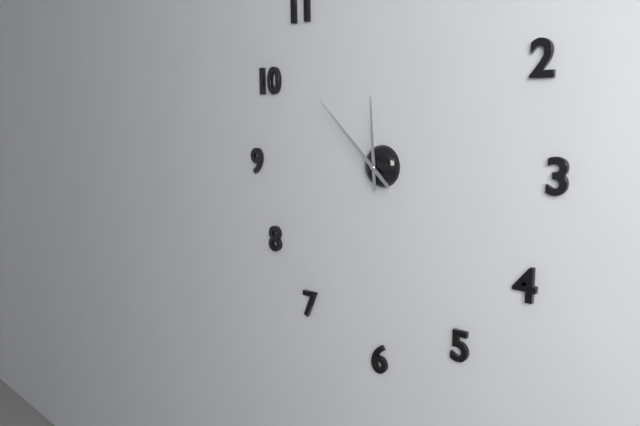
11:52
